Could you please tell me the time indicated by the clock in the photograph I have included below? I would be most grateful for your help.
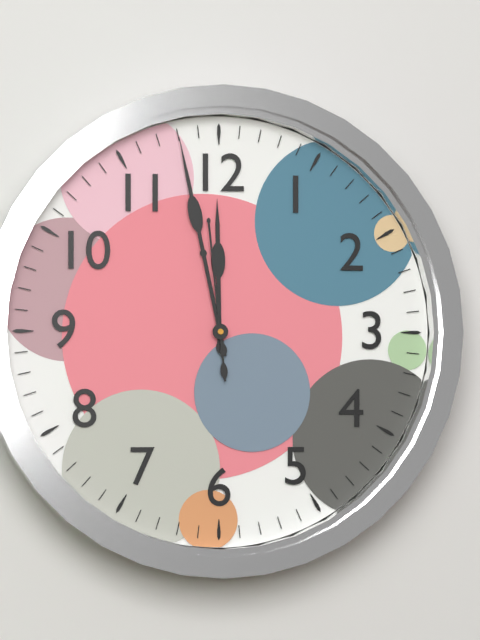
11:58:59
